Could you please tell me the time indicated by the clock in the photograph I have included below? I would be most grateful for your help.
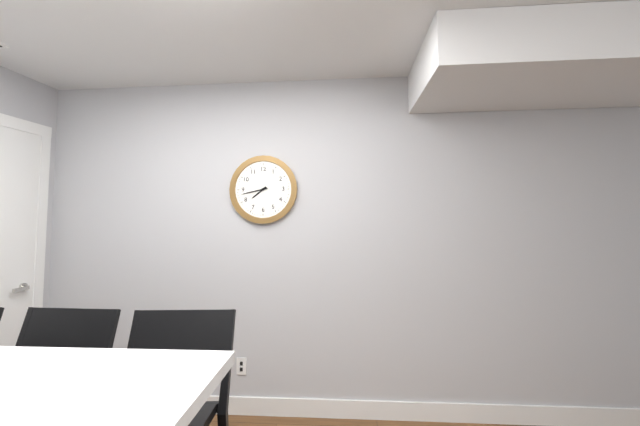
7:43
